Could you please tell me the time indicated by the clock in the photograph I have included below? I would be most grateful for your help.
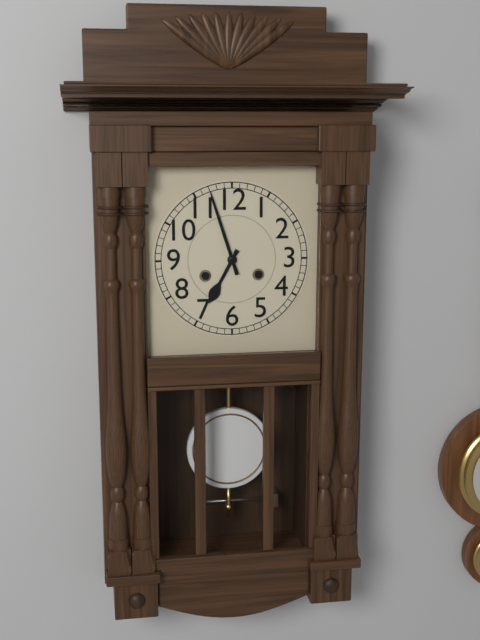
6:57
